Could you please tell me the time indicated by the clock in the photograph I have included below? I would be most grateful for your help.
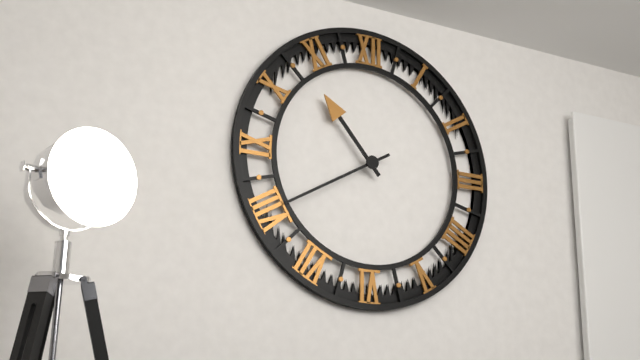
10:40
